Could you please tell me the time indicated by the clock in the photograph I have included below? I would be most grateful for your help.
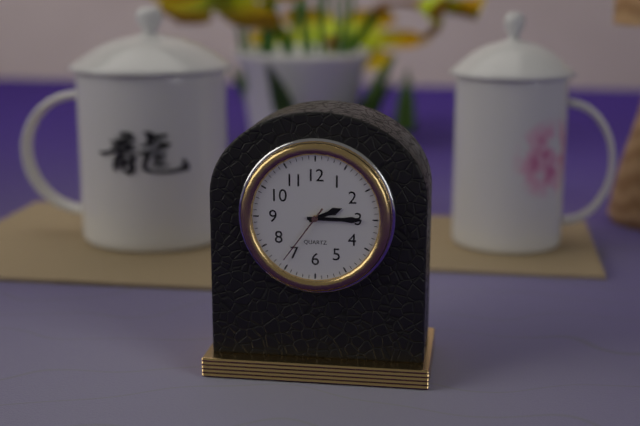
2:15:36
